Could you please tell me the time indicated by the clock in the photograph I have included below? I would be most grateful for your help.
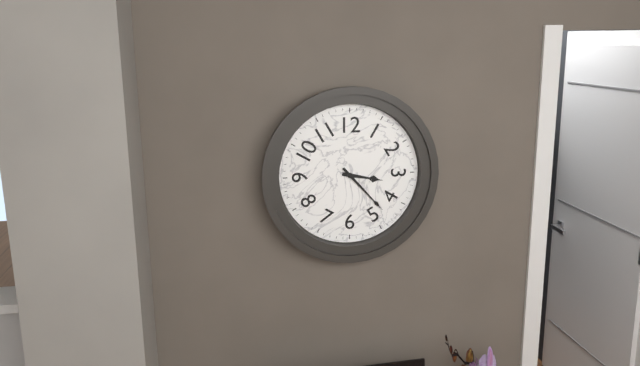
3:23
